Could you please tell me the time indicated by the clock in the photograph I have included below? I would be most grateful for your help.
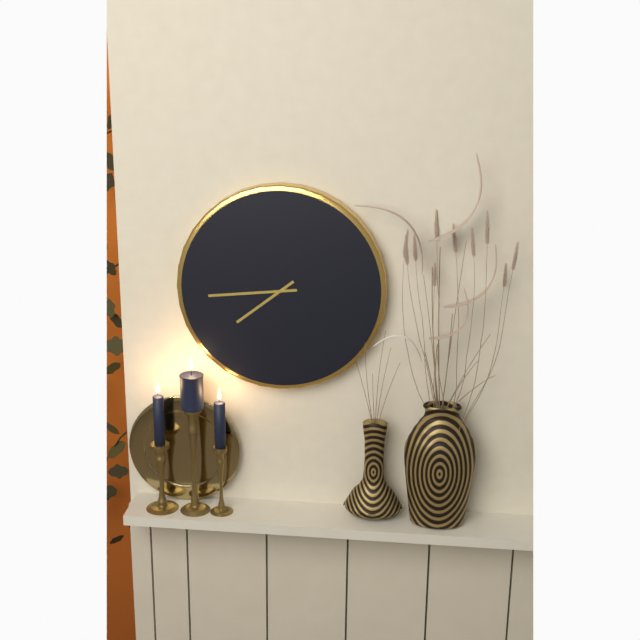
7:44
